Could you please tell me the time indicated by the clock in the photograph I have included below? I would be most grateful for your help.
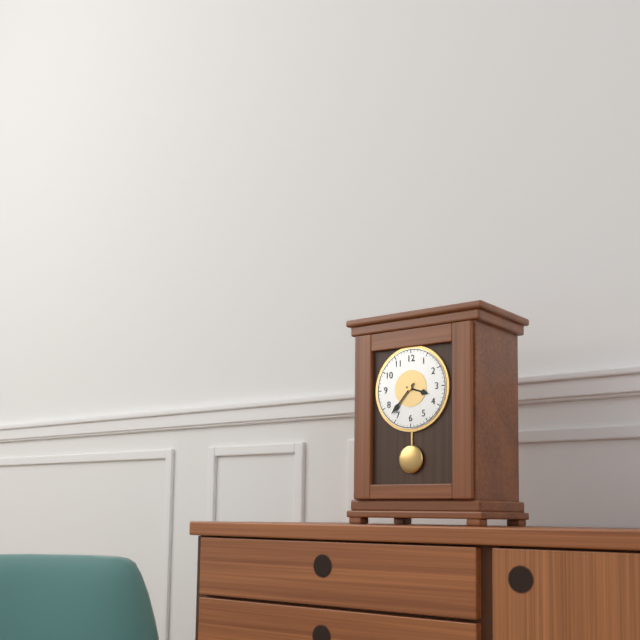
3:37
